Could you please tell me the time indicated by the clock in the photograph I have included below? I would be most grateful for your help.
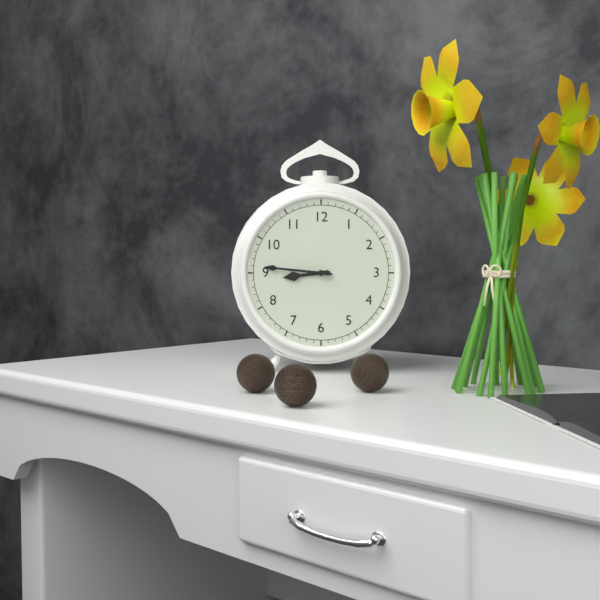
8:46
